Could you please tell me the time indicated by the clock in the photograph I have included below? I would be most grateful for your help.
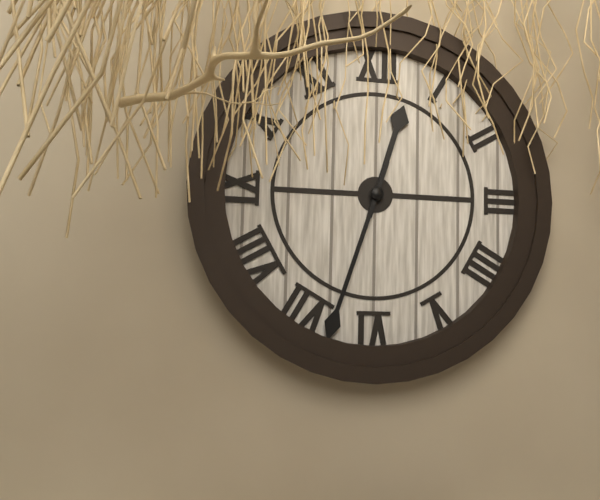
12:33
